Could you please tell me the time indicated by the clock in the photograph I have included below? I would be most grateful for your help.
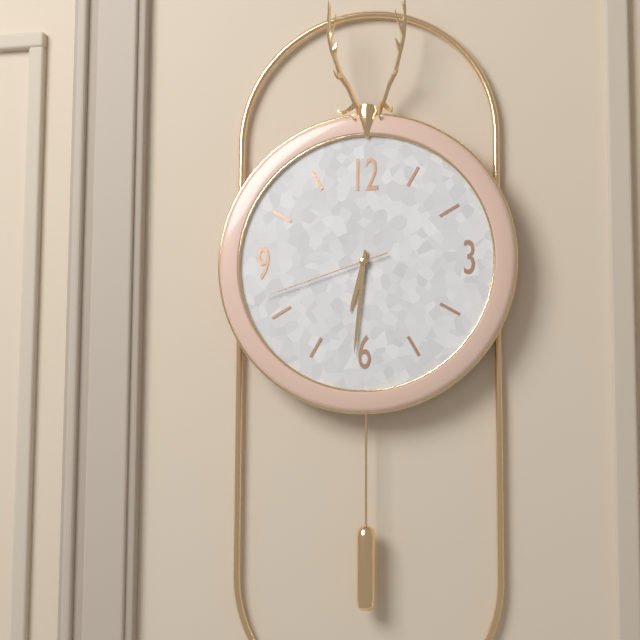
6:31:42
